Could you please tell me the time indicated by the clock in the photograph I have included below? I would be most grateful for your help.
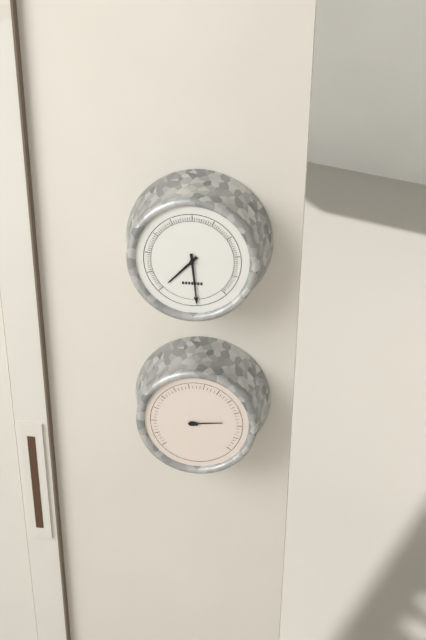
7:29
